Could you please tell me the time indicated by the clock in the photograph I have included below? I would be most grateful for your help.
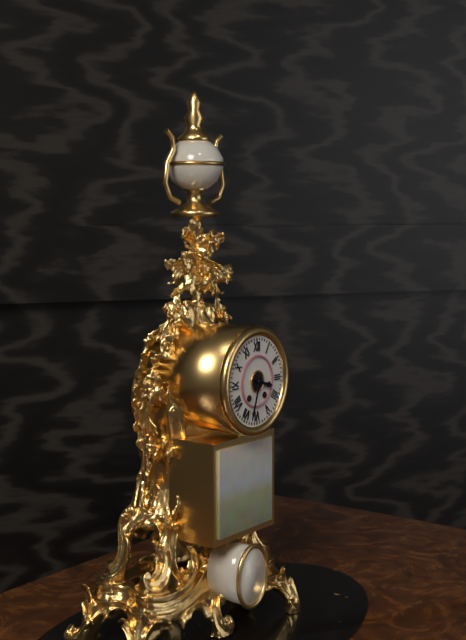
3:33
